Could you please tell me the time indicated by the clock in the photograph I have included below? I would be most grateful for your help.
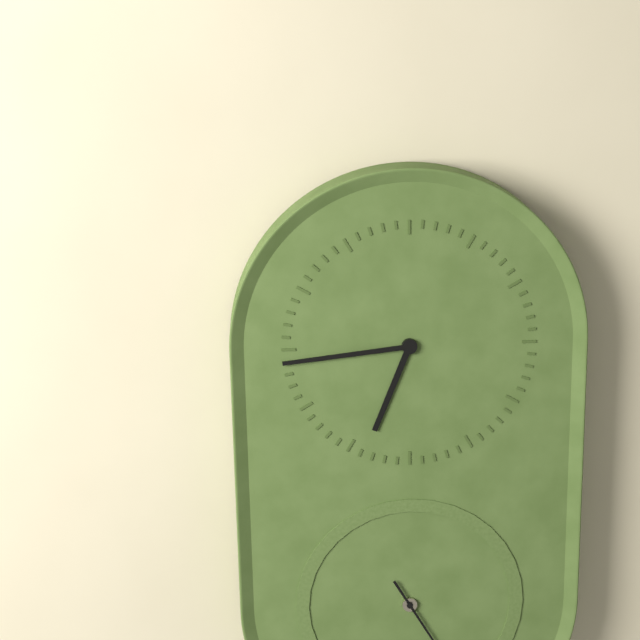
6:44
